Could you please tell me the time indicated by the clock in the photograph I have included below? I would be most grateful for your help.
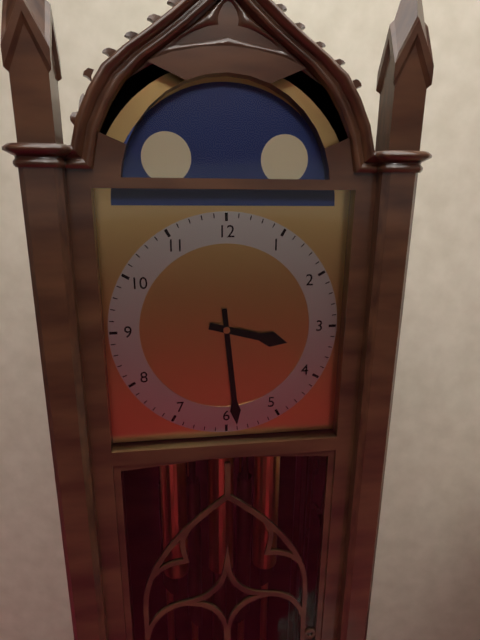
3:29
